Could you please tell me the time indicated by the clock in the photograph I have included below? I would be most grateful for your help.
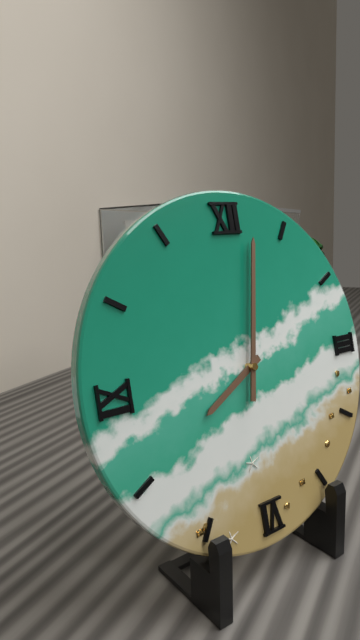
8:02
